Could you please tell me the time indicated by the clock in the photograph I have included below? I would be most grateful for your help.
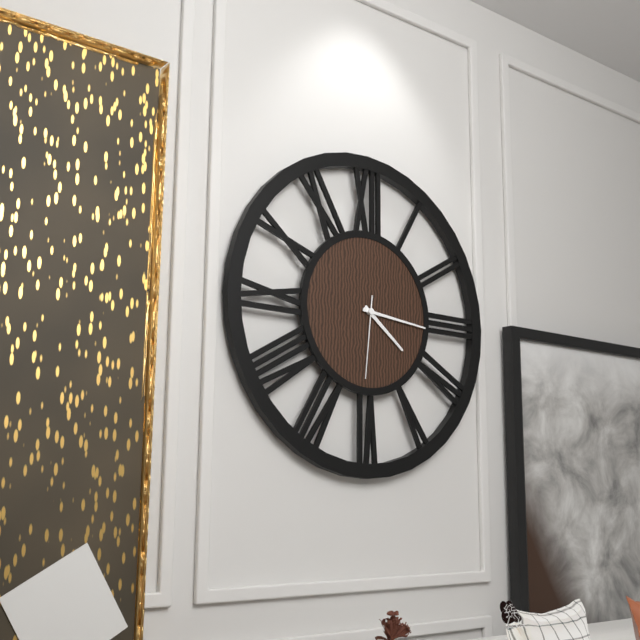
4:16:31
